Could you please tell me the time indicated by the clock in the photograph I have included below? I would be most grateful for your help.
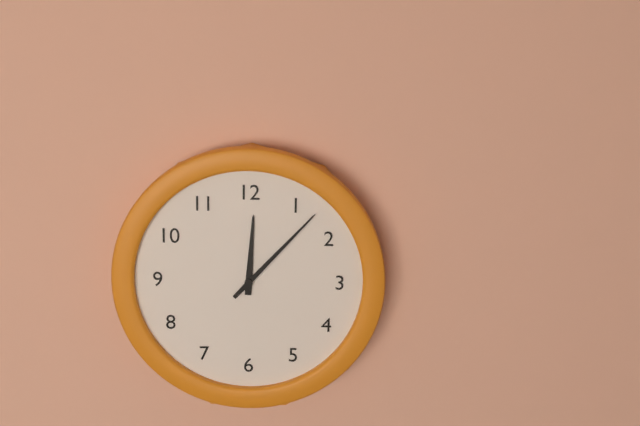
12:07
